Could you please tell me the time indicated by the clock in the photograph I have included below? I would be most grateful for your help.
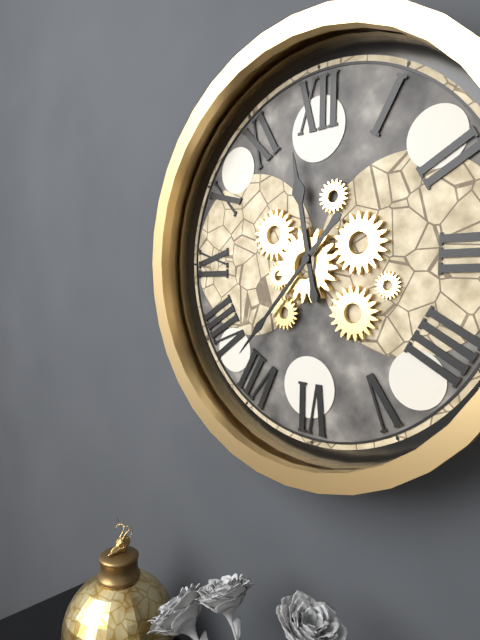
11:37
